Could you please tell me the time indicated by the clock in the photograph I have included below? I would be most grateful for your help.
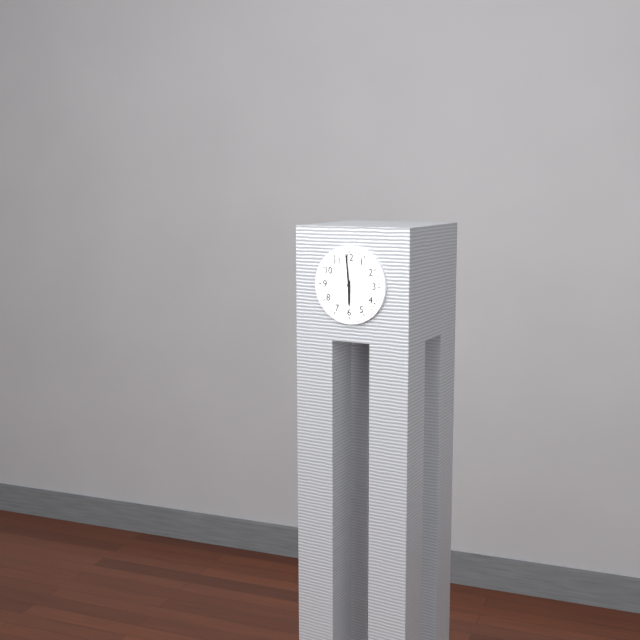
5:59
